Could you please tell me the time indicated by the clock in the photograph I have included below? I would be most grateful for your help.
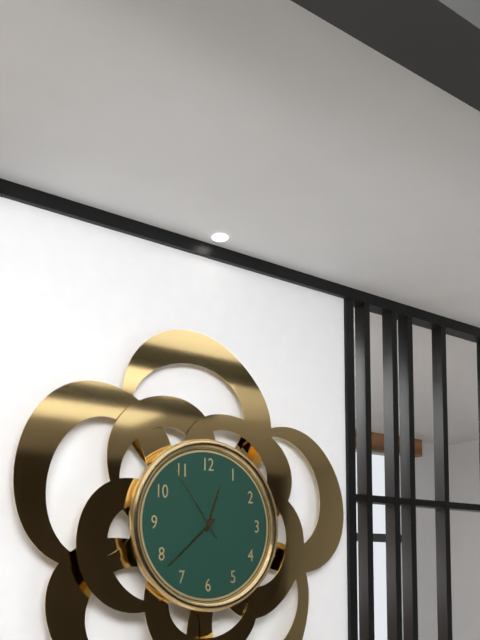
12:38:54
